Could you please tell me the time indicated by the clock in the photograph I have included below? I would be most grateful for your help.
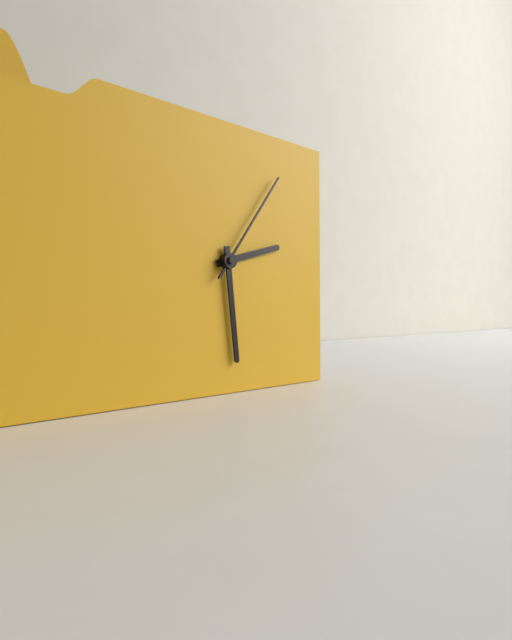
2:29:06
